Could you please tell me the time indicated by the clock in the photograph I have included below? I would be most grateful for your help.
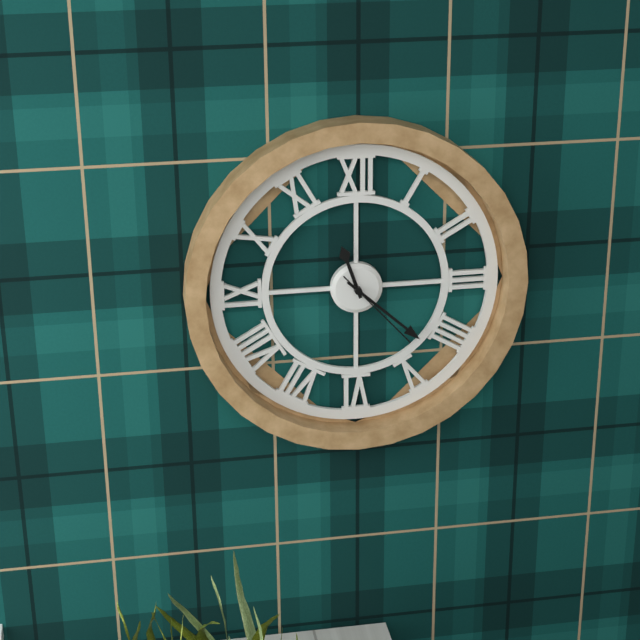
11:22:23
